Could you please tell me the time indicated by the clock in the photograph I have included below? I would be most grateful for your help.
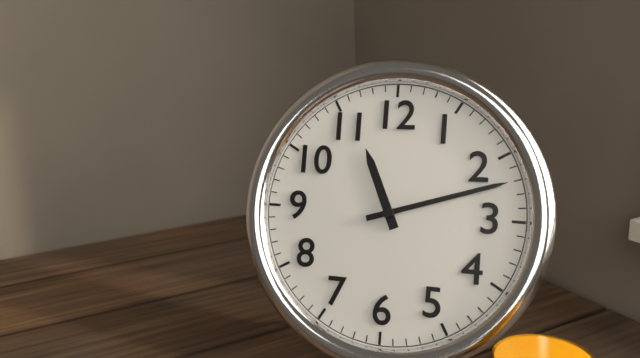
11:12
